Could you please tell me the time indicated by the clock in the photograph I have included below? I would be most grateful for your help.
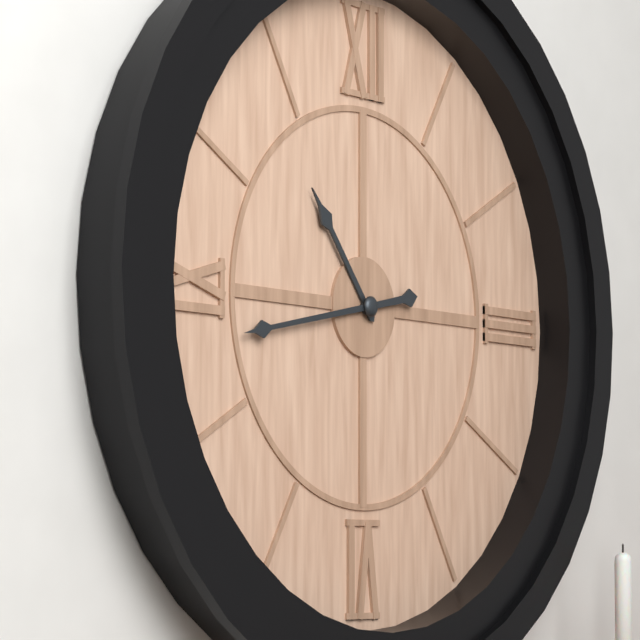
10:43
